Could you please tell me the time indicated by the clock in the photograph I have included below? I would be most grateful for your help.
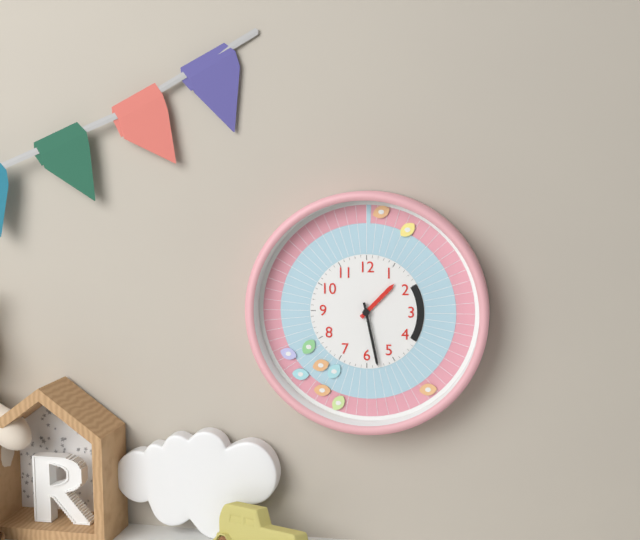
1:28
